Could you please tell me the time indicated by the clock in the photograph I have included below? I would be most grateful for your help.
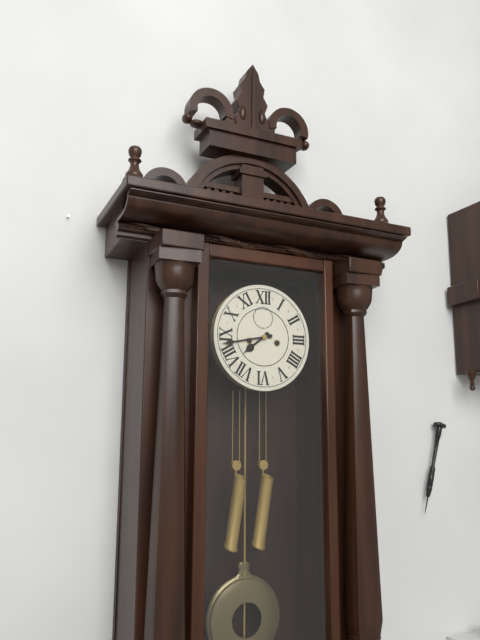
7:43
